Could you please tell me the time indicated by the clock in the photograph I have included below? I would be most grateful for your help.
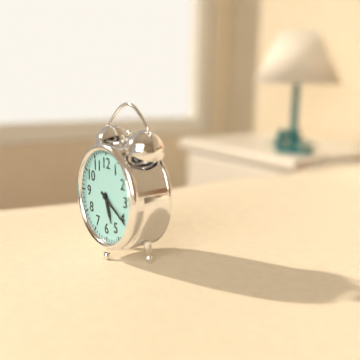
5:20
